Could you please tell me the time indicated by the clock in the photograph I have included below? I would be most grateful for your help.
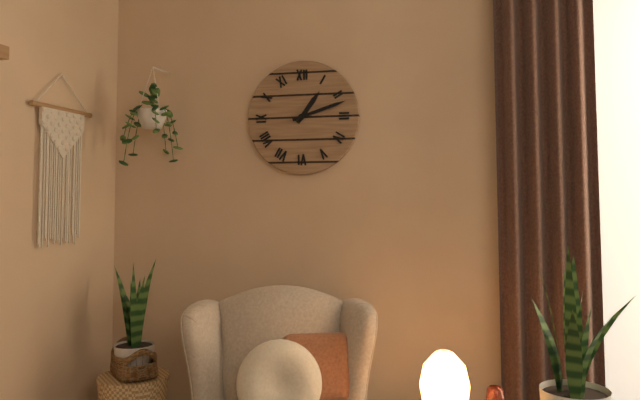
1:12
